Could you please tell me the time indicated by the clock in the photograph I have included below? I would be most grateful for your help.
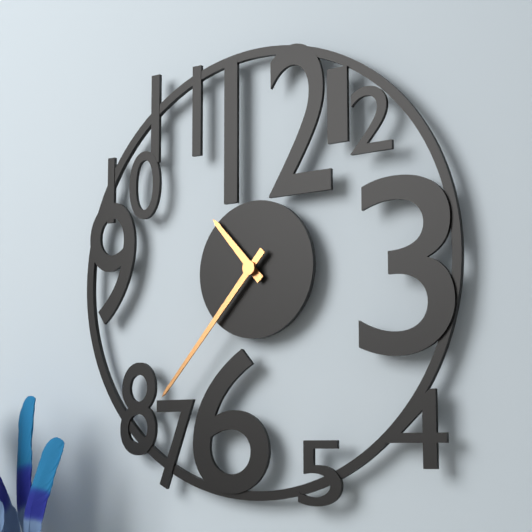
10:37
